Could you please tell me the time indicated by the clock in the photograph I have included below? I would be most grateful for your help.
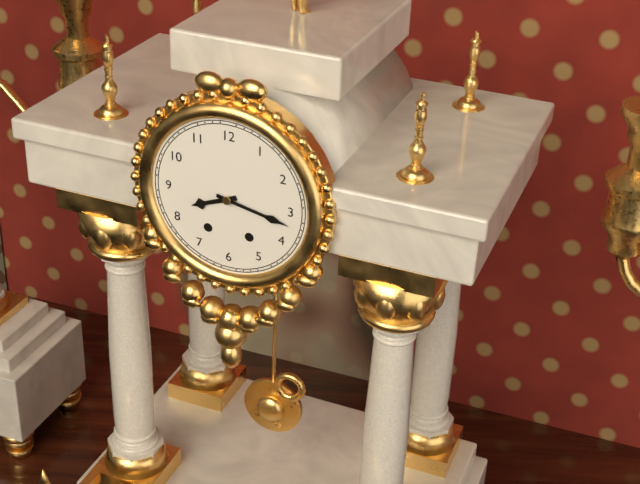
8:17
